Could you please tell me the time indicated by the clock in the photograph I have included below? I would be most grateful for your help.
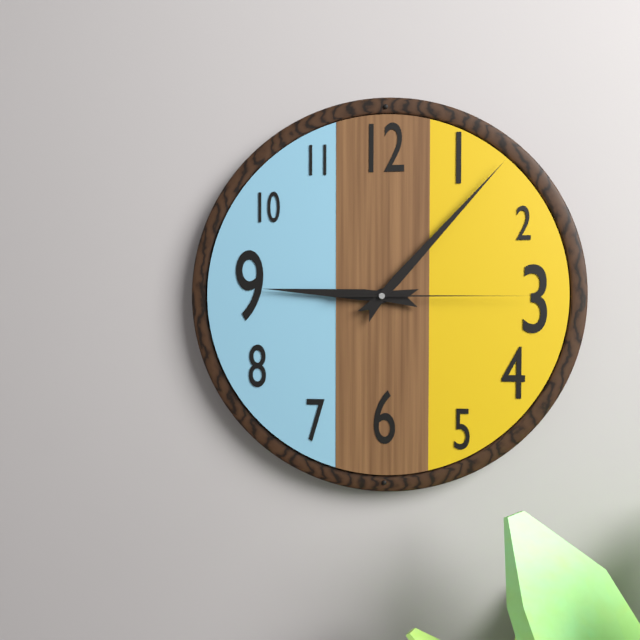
9:07:15
